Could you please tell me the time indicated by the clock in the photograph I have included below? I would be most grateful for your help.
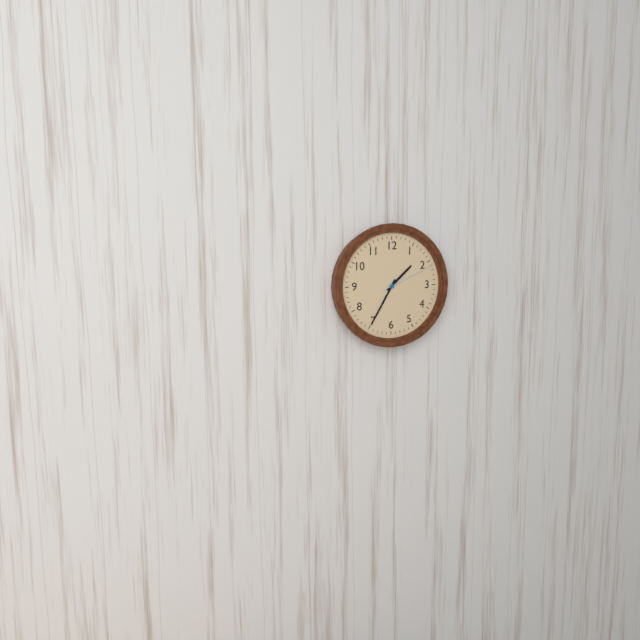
1:35:11
